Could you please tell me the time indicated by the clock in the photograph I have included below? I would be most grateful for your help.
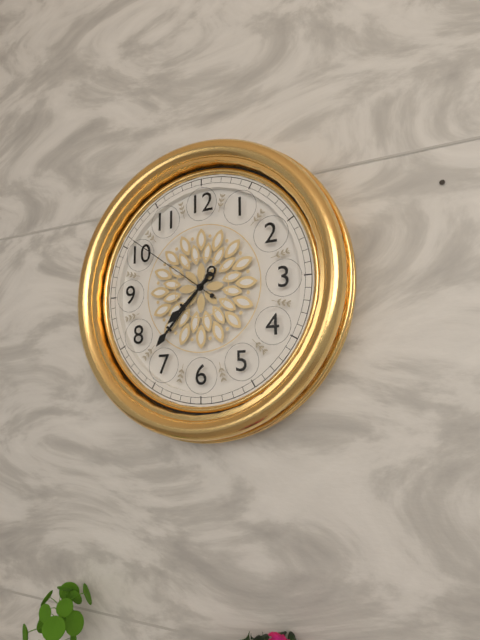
7:37:51
